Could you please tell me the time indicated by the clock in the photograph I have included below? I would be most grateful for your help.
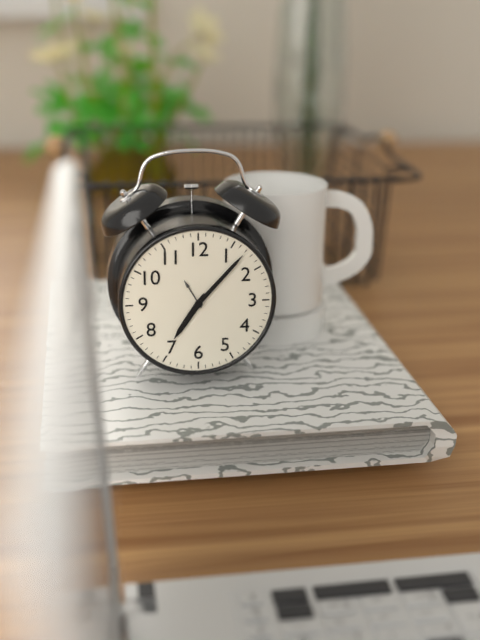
7:07
